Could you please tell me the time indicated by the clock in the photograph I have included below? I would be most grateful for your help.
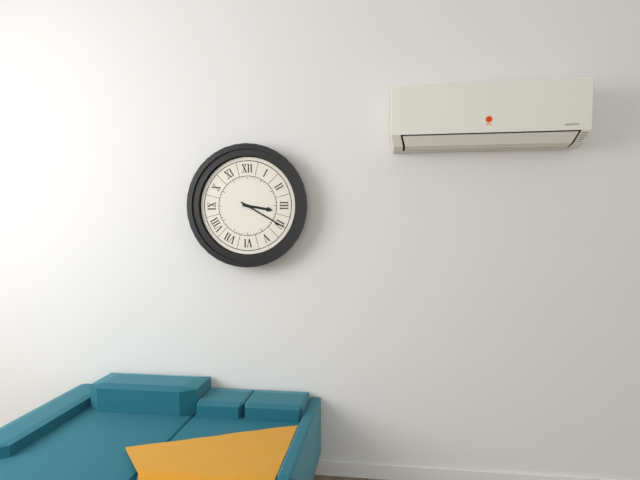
3:20
